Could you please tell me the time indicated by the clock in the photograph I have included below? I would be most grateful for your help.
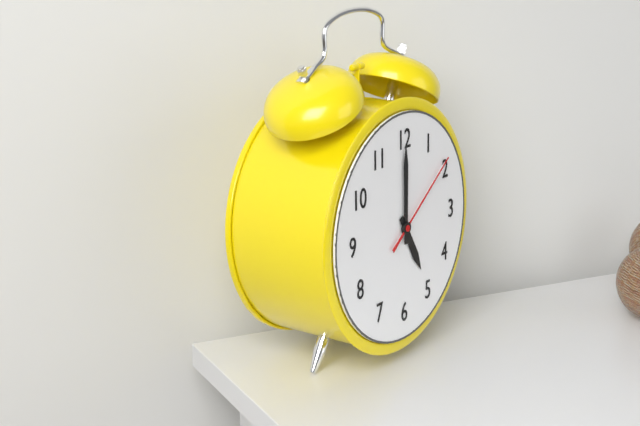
5:00:09
